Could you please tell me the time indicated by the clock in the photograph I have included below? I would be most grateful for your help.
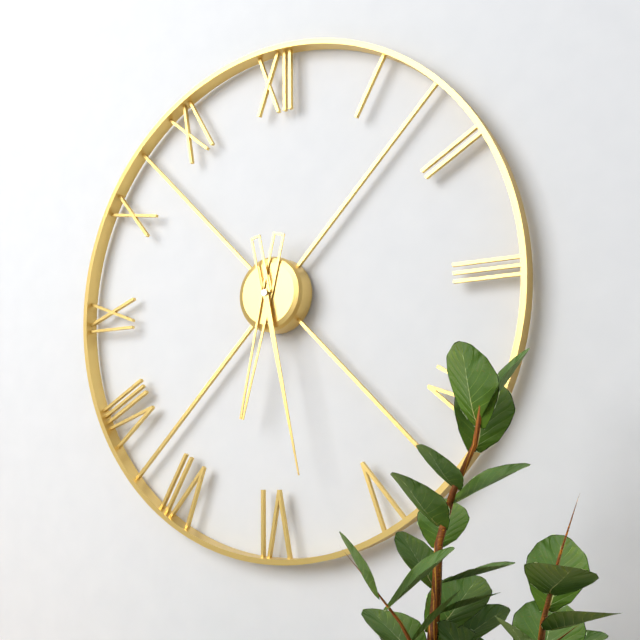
6:28
